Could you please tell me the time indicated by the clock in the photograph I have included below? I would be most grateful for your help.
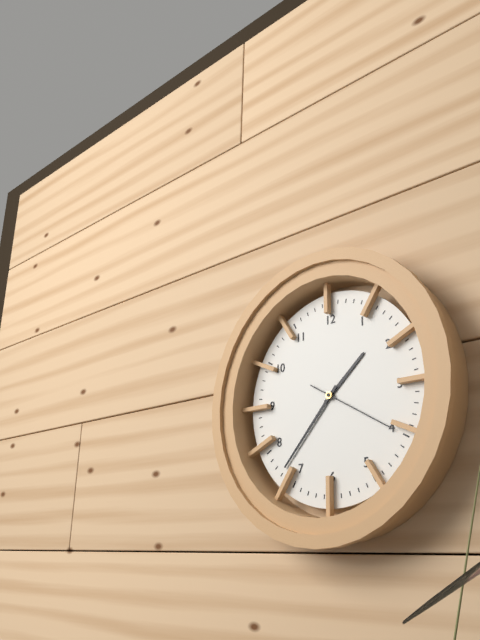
1:37:20
